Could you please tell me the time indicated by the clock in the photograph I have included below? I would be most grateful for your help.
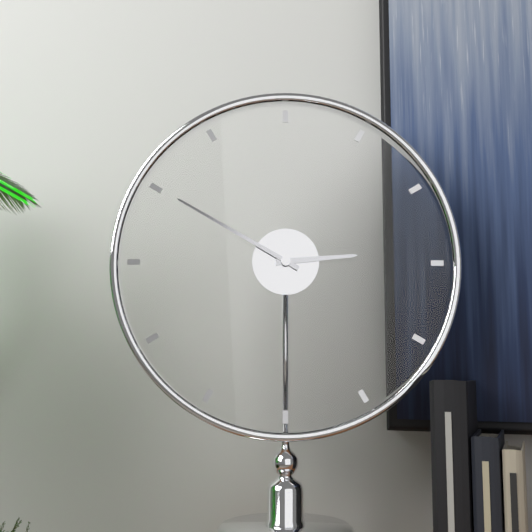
2:50
